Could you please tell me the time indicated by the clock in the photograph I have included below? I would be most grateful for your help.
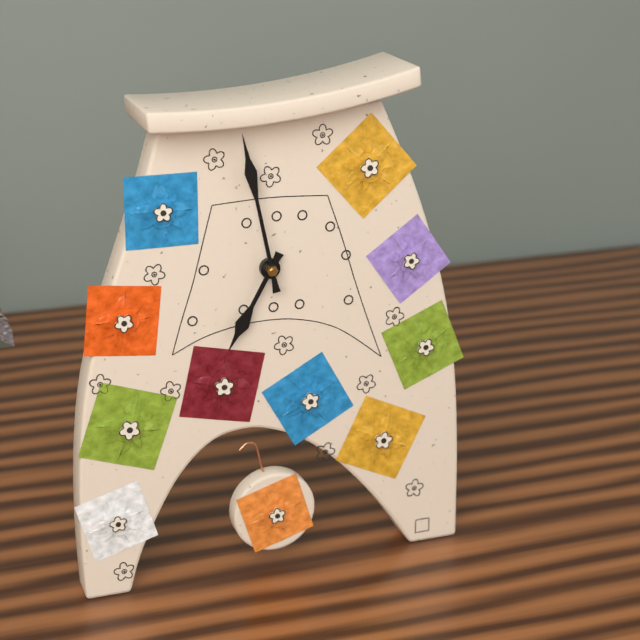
6:58
